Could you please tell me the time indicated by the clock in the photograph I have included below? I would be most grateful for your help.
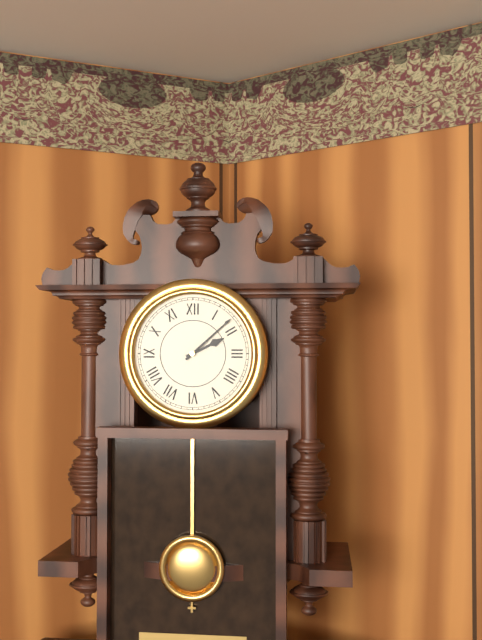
2:08
